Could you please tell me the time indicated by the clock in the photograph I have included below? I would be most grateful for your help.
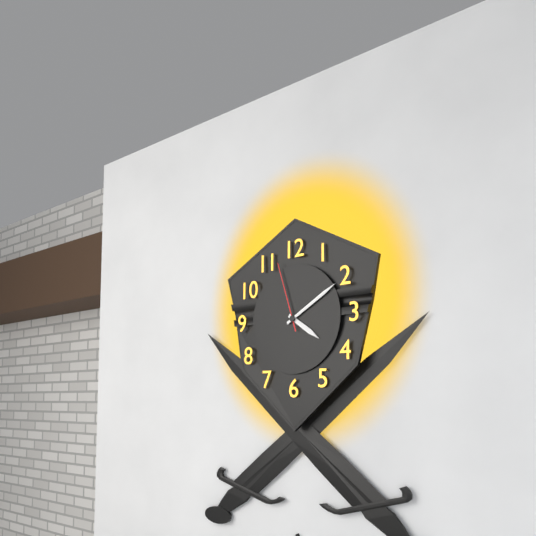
4:10:57
